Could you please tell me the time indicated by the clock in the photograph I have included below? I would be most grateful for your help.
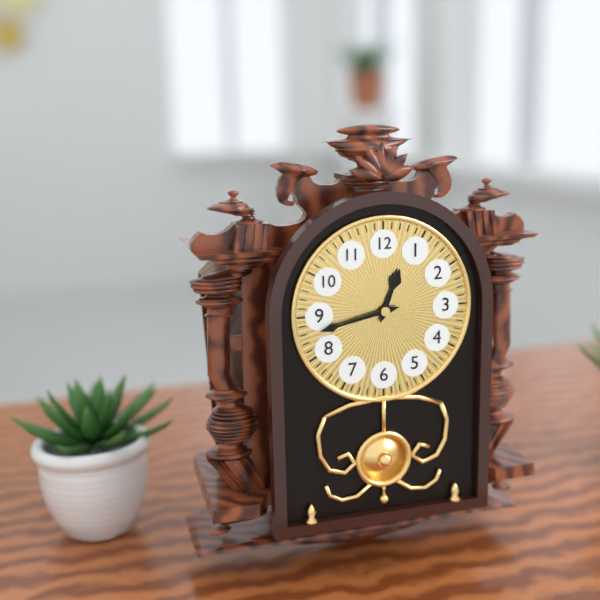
12:43
